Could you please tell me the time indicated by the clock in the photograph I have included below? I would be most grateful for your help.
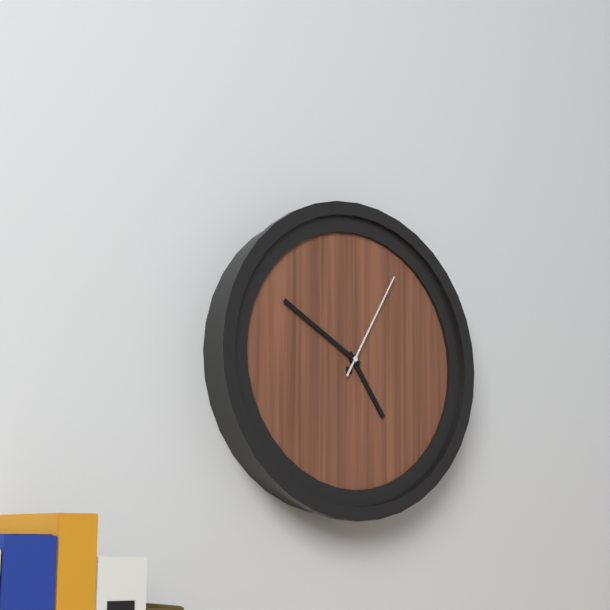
4:50:05
